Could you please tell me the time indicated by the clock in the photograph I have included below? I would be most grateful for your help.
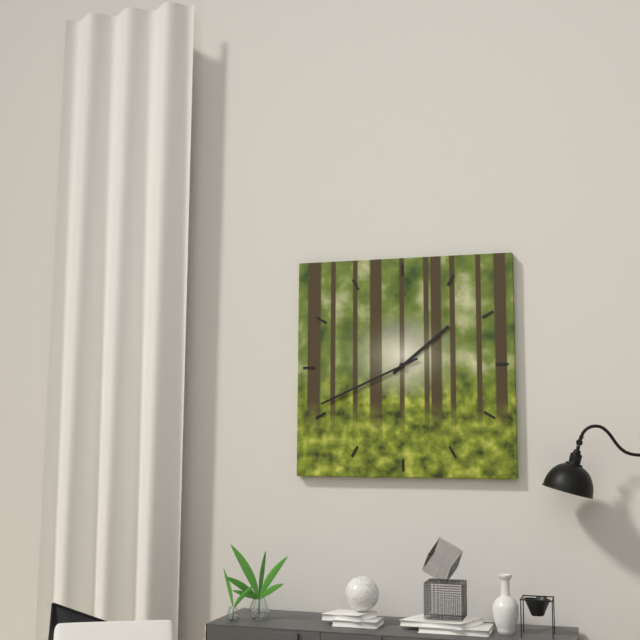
1:41
